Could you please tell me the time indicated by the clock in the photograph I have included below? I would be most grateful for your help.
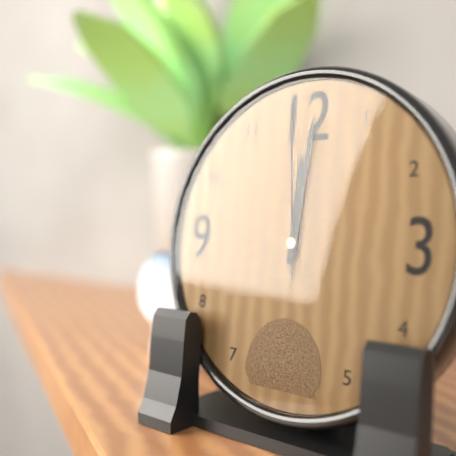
12:01:59
